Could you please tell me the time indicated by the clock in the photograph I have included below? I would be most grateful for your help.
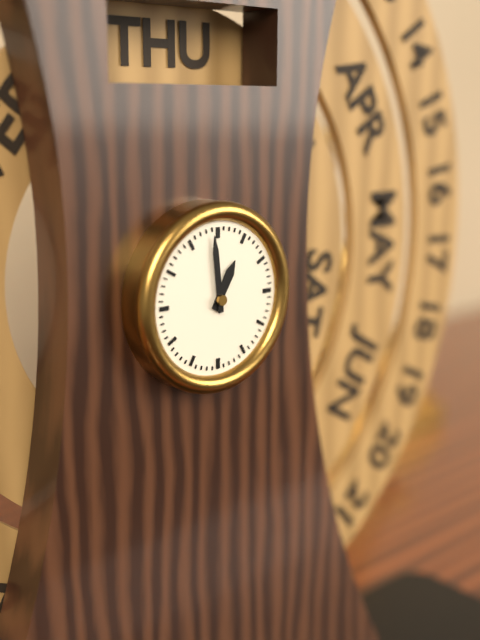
12:59
